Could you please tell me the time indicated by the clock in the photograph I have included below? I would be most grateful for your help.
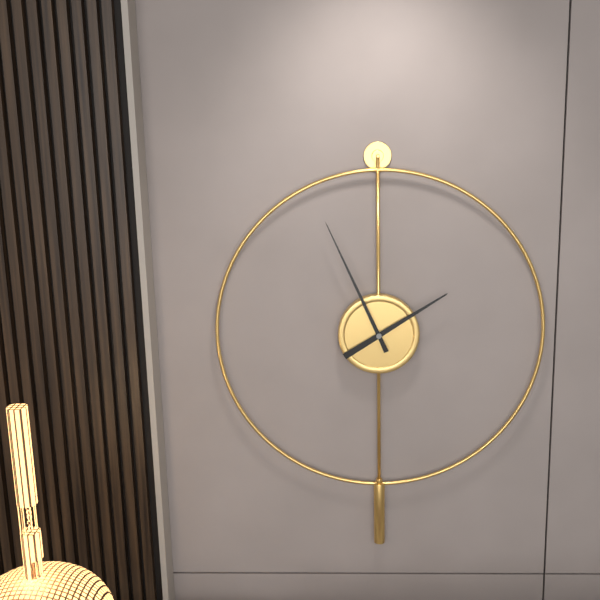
1:56
